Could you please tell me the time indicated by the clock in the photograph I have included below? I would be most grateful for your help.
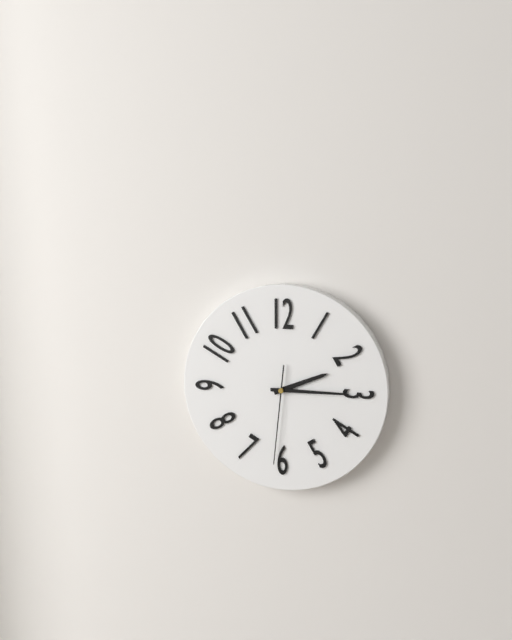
2:15:31
